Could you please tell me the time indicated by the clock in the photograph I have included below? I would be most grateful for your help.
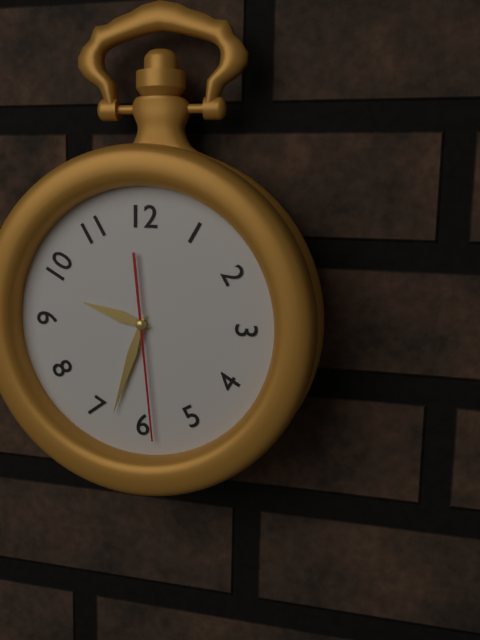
9:33:29
